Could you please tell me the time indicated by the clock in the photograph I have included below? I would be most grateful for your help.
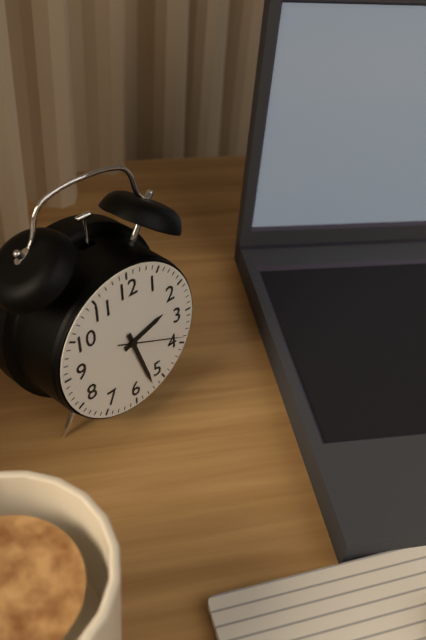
2:27:19
